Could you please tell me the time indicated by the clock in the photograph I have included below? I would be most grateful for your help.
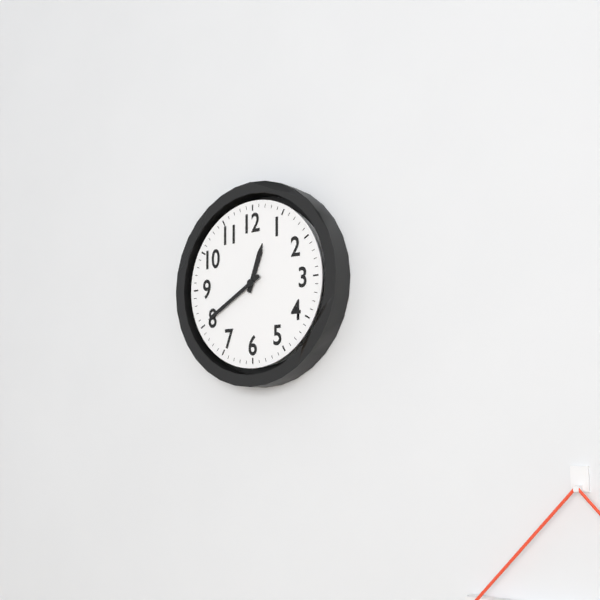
12:40
